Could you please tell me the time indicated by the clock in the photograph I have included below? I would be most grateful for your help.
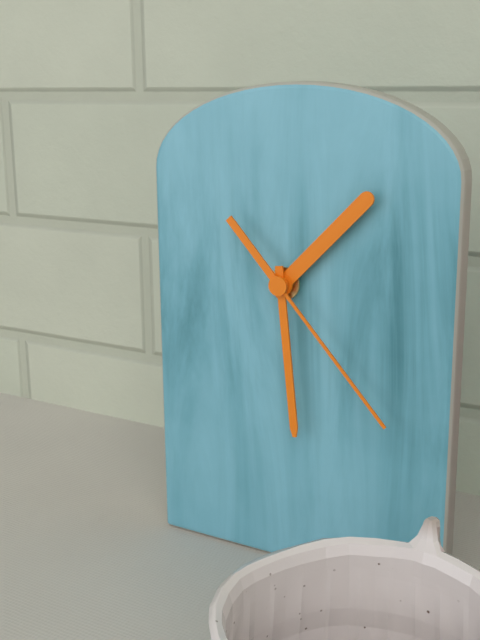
1:29:23
